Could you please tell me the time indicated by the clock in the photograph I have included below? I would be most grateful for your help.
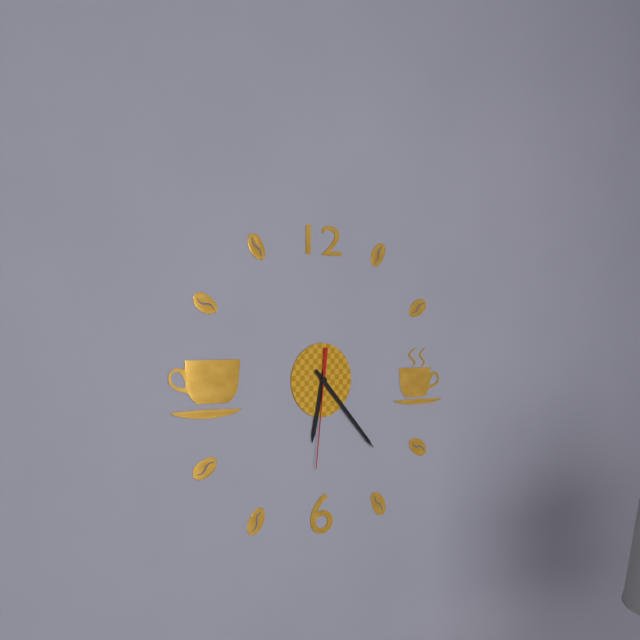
6:23:31
